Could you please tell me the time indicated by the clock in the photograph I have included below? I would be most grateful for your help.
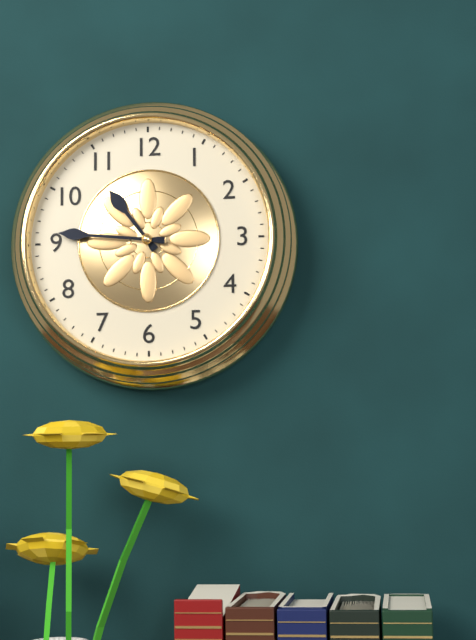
10:46
